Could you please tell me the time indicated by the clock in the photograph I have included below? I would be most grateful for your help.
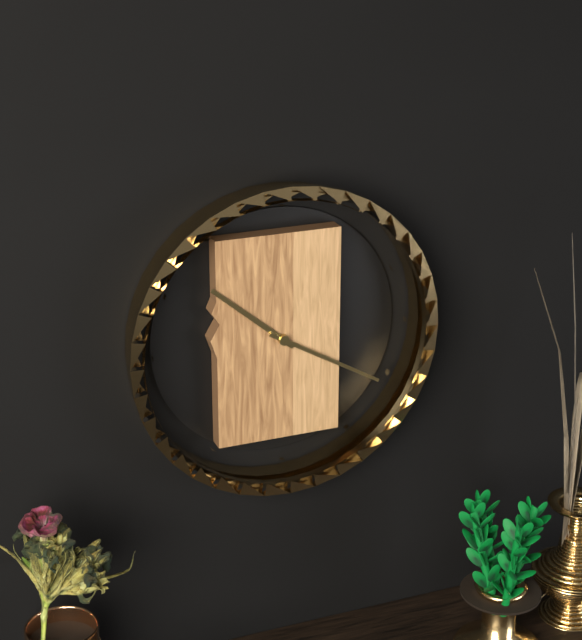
10:20
